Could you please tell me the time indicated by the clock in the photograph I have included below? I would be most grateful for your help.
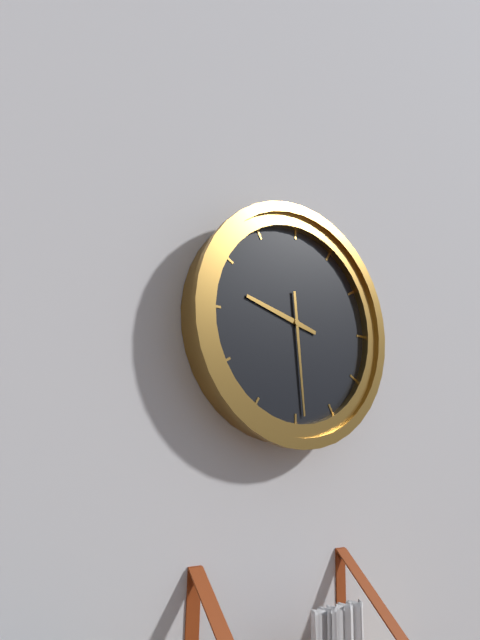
9:29
